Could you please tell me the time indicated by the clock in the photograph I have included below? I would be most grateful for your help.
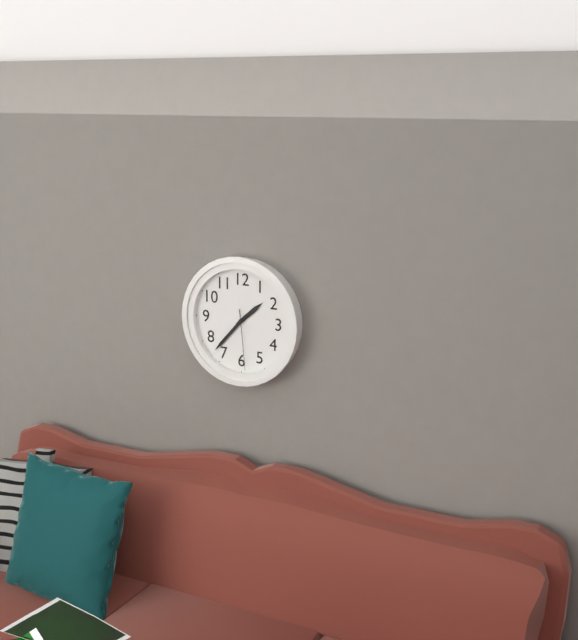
1:37:29
